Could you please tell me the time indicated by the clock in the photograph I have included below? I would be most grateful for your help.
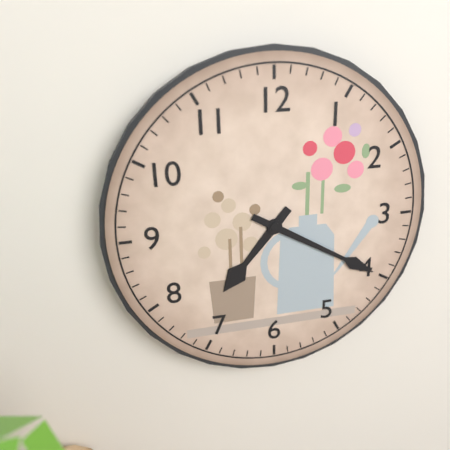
7:20
